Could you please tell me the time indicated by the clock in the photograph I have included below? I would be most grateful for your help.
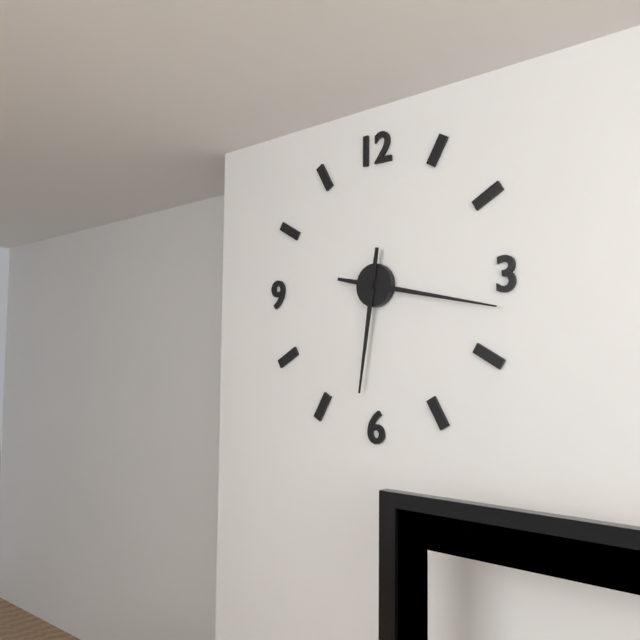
6:17
